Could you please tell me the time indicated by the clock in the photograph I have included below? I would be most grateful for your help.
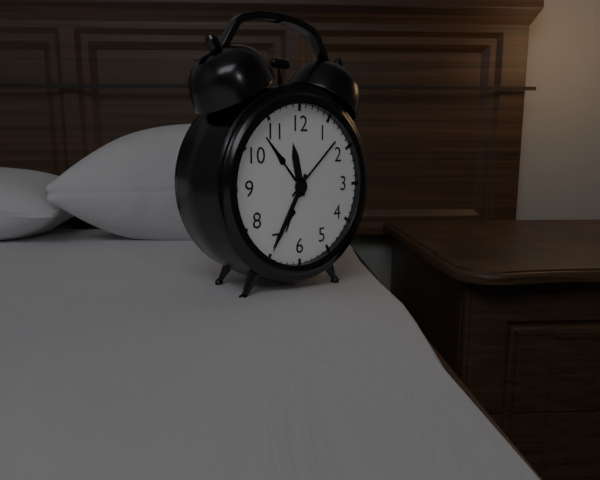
11:35
